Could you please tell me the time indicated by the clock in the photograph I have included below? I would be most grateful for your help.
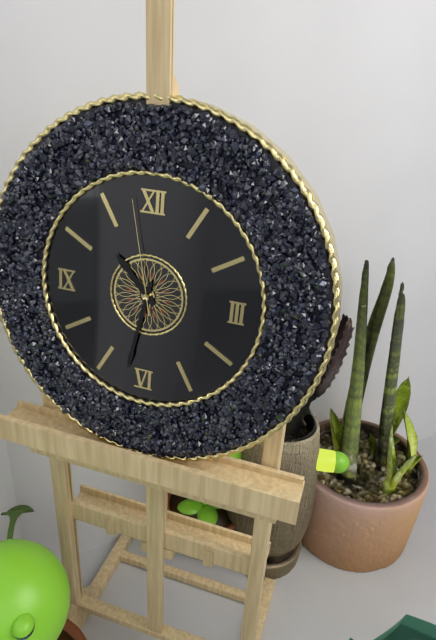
10:32:58
